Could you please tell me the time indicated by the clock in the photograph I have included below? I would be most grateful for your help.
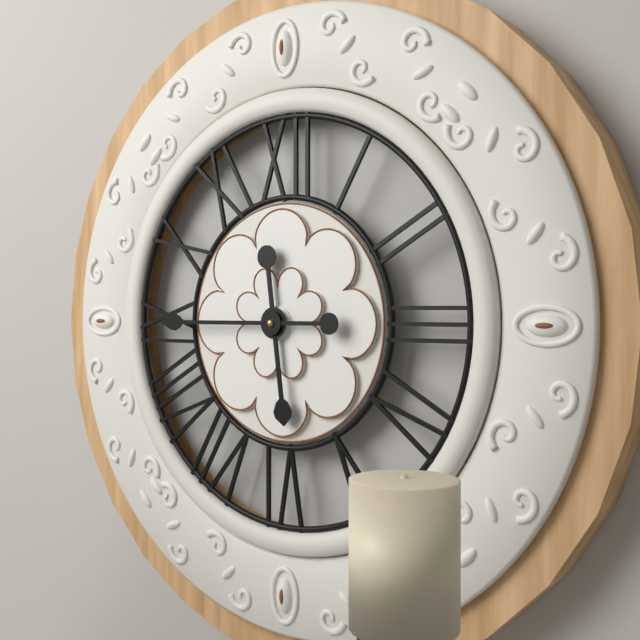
5:45
